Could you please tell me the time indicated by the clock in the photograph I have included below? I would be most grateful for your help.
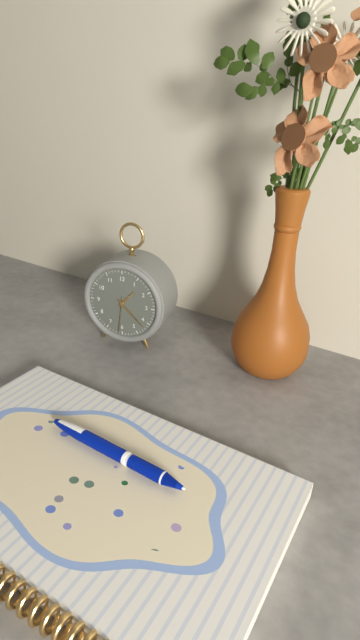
1:22
